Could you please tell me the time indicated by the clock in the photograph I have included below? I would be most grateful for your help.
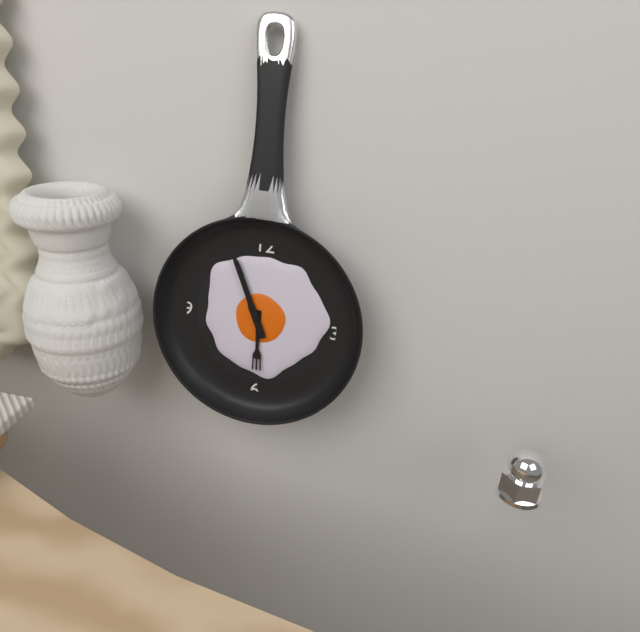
5:56
